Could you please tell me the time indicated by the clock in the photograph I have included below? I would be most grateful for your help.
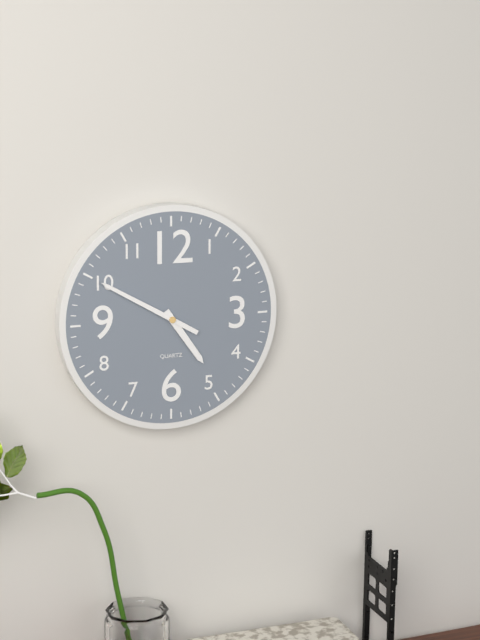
4:50
